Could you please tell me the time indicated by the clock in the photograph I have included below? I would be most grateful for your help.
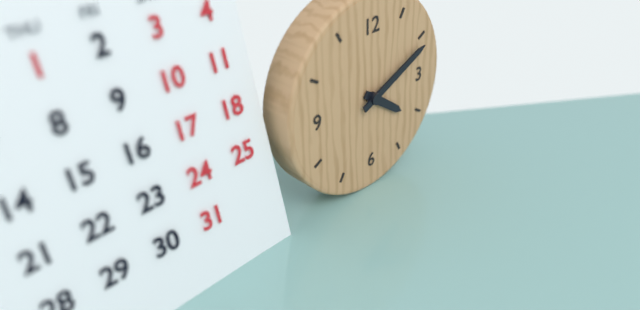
4:11
